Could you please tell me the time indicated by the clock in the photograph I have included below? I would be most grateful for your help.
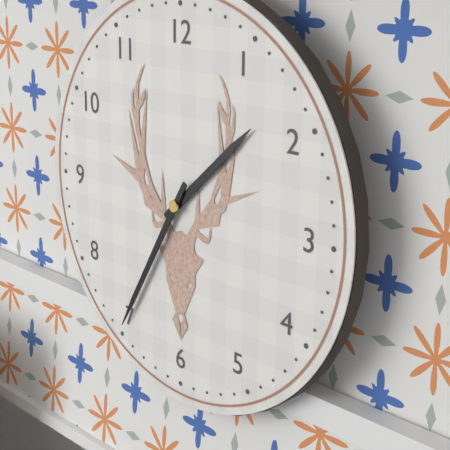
1:35
